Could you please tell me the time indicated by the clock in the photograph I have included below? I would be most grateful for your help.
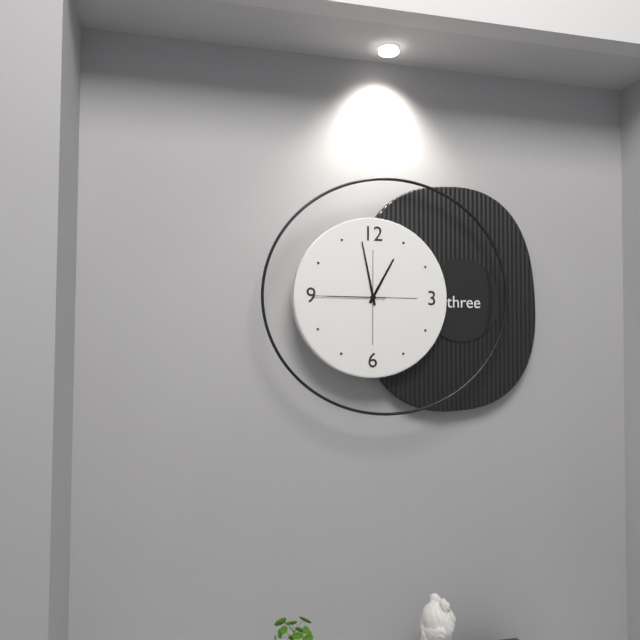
12:58:45
